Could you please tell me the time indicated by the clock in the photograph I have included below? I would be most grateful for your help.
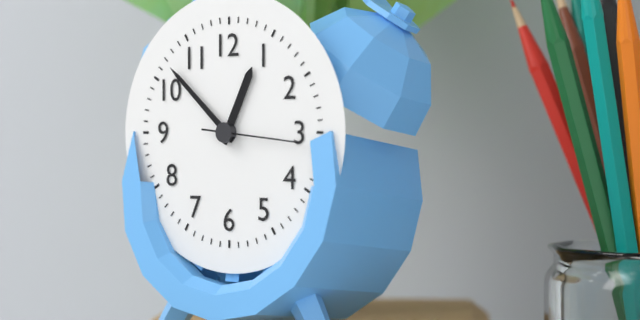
12:52:16
